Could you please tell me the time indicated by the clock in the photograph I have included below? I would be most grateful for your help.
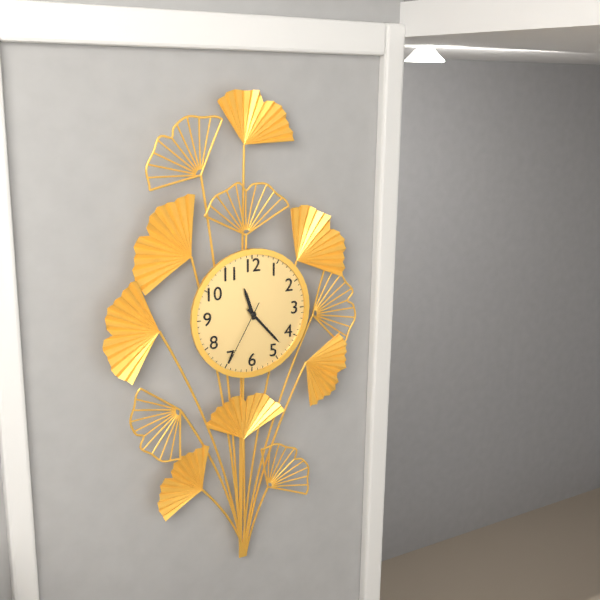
11:23:35
